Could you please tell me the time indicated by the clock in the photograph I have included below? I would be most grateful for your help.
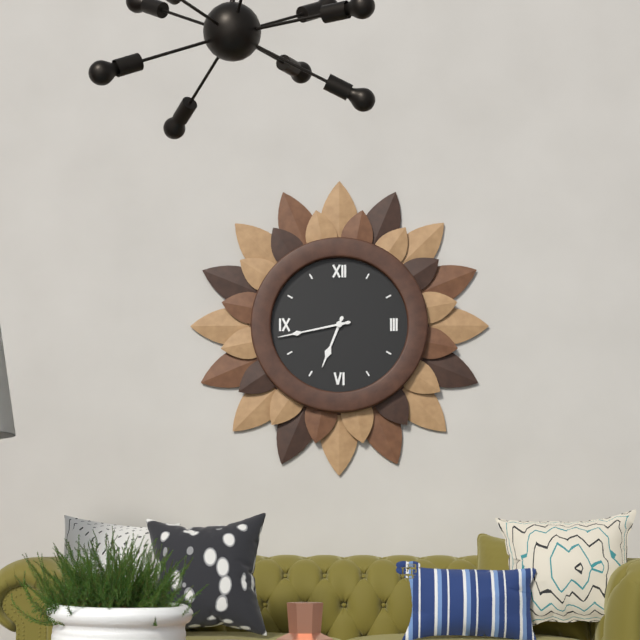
6:43
